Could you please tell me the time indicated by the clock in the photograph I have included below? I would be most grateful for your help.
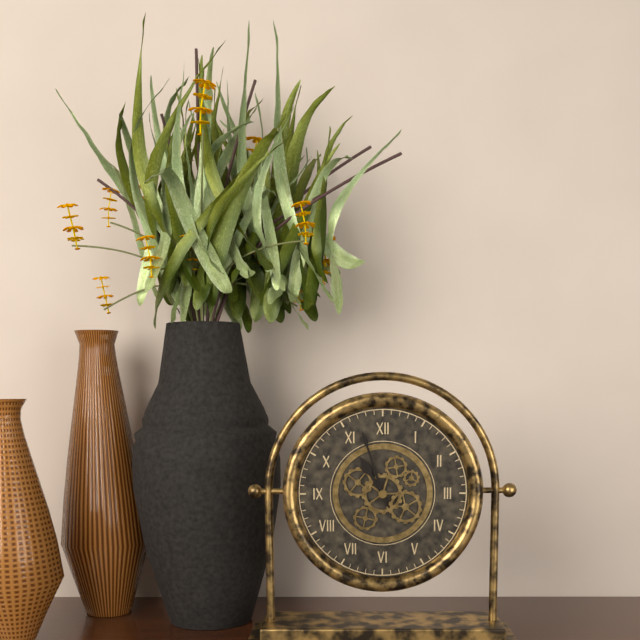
10:57
